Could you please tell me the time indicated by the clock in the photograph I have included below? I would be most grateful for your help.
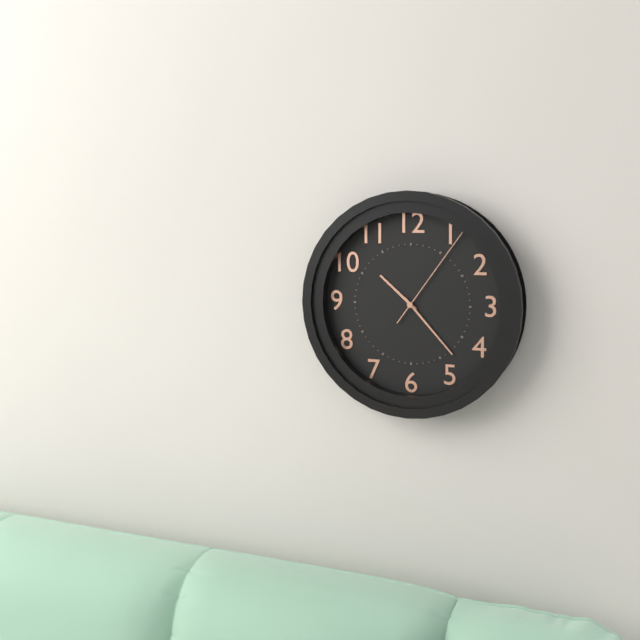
10:23:06
